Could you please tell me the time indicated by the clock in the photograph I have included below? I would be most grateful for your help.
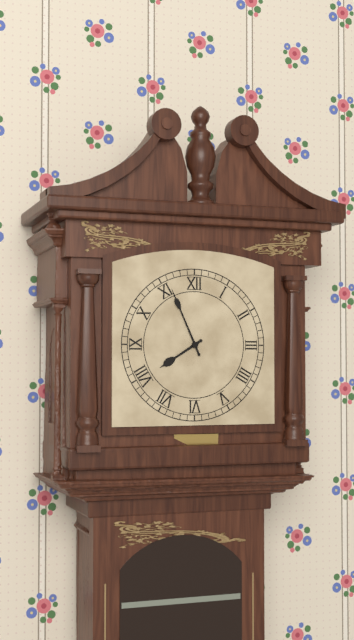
7:56
